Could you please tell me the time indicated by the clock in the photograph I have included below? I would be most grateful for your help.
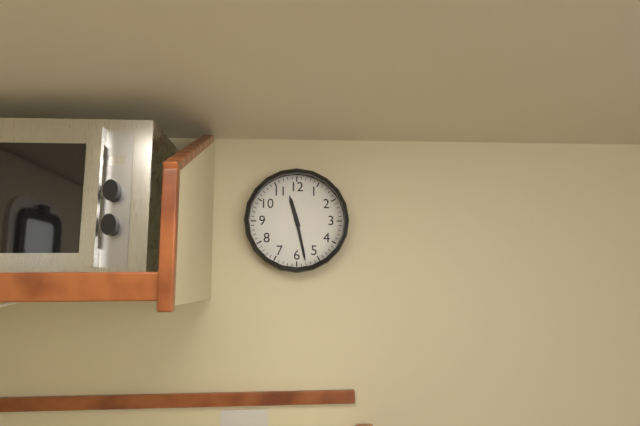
11:28
